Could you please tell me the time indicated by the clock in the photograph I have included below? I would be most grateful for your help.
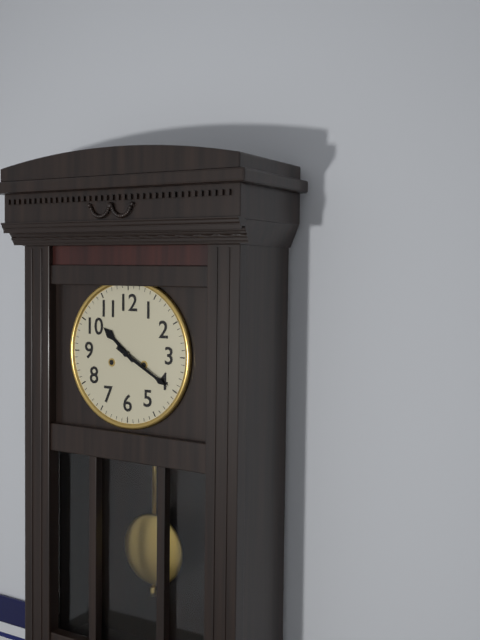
10:20
